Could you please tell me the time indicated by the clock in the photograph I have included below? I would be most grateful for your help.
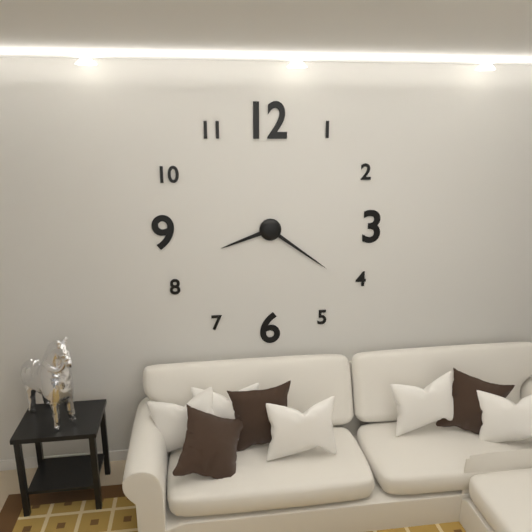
8:21
